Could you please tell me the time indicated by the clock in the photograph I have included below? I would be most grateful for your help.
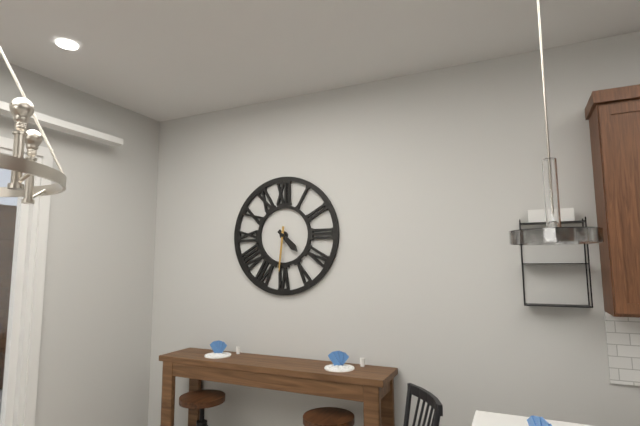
4:31
